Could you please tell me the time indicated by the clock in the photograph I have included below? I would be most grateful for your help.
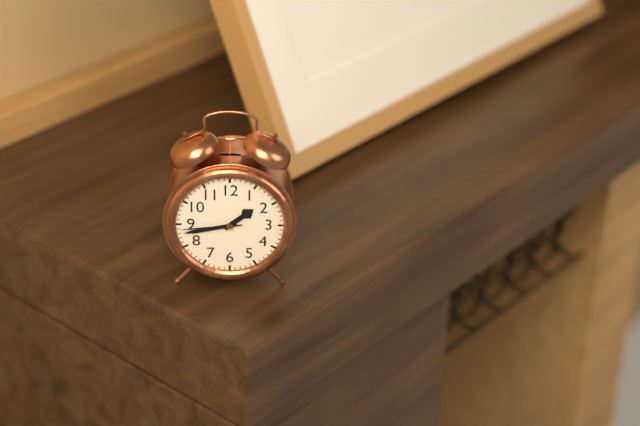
1:43:44
